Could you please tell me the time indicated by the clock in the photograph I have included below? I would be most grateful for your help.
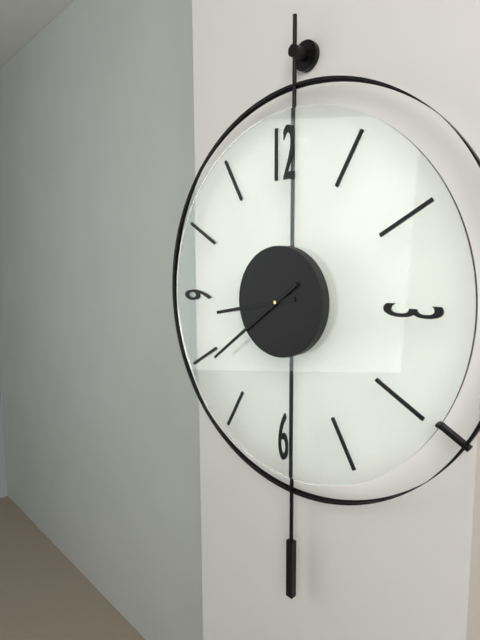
8:39
